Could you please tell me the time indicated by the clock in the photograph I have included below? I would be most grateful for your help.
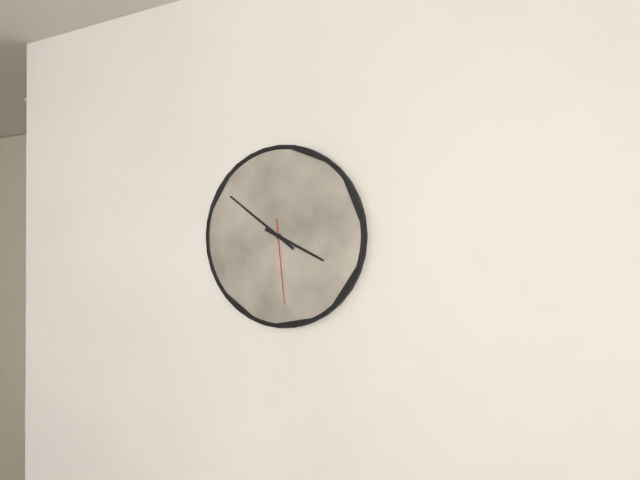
3:51:29
